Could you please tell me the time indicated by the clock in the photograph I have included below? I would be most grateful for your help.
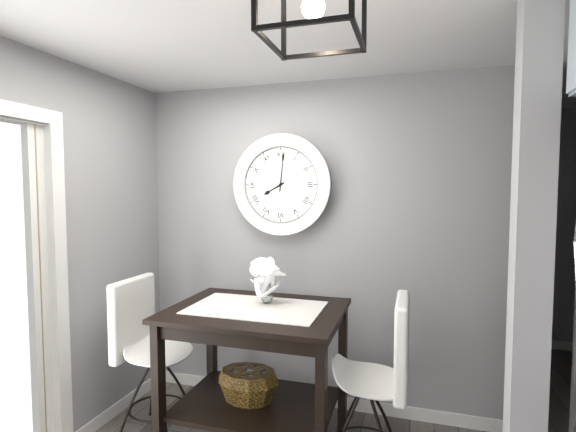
8:01
